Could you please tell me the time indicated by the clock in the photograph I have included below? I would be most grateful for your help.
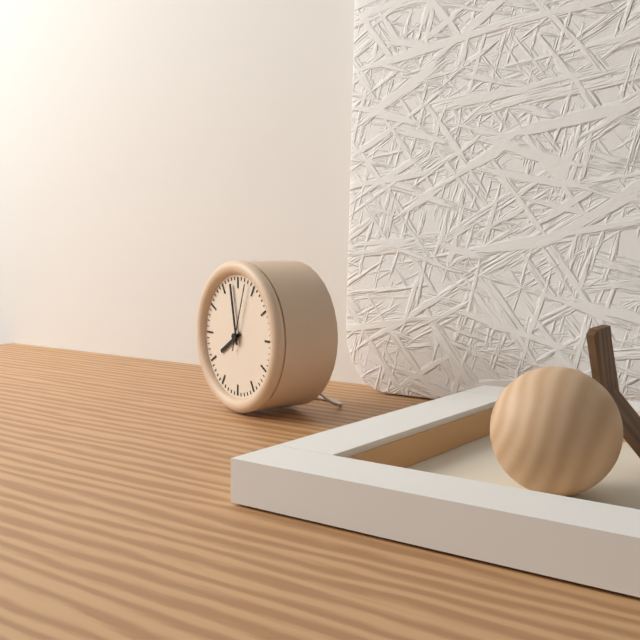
7:58:03
